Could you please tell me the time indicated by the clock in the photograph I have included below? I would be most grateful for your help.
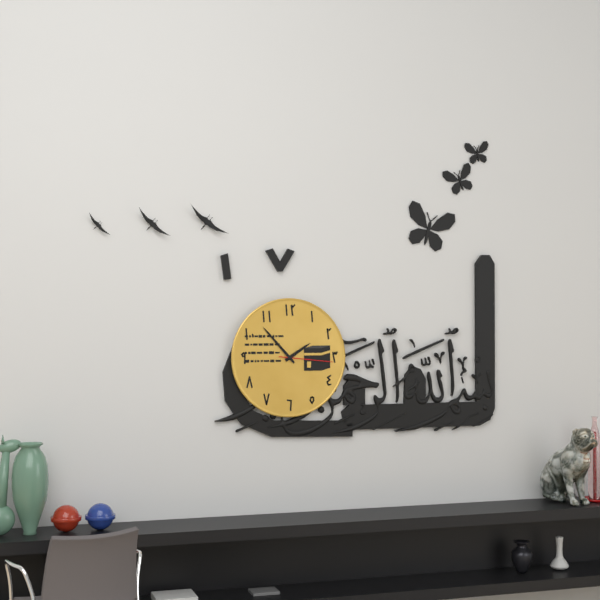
1:53:16
